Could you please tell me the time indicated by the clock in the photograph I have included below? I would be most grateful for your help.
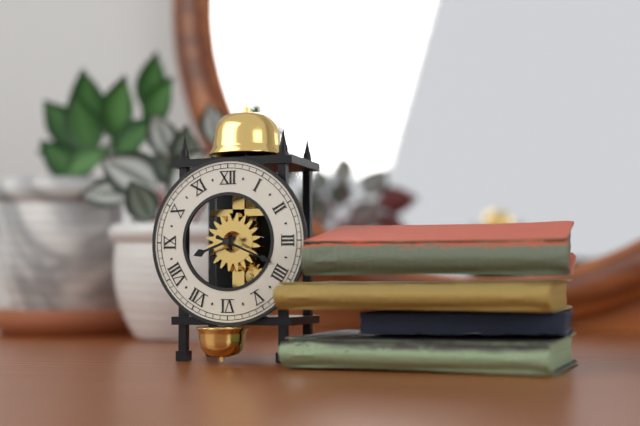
8:19
